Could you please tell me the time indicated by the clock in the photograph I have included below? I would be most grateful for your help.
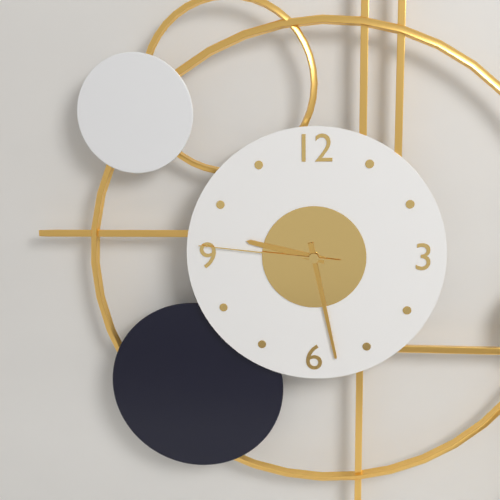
9:28:46
